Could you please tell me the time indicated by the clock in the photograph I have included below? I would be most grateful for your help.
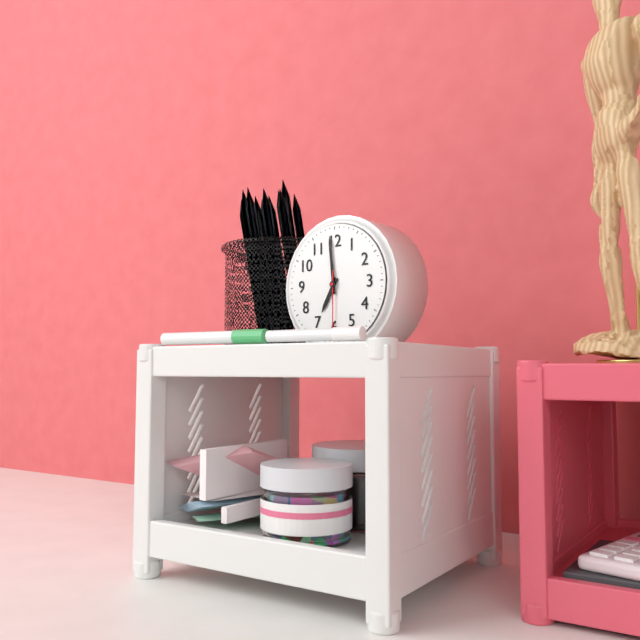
6:59:30
